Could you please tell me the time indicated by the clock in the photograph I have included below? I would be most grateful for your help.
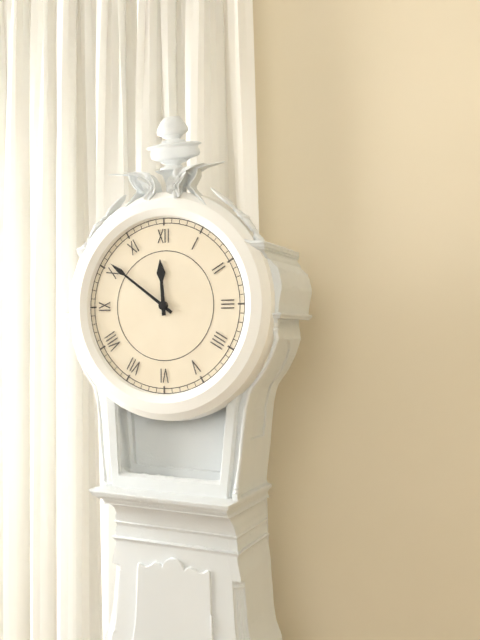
11:51
